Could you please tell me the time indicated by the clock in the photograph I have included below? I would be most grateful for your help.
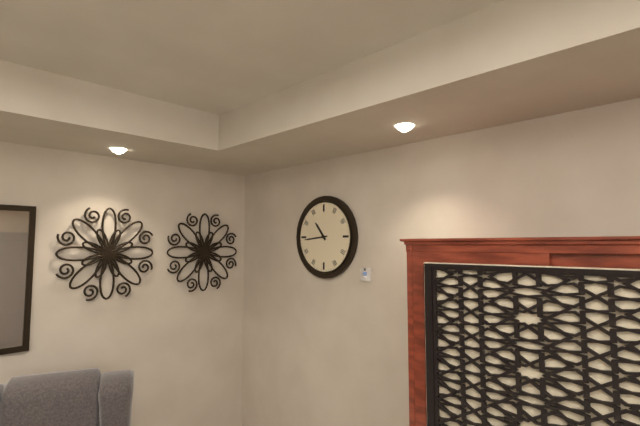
10:44
